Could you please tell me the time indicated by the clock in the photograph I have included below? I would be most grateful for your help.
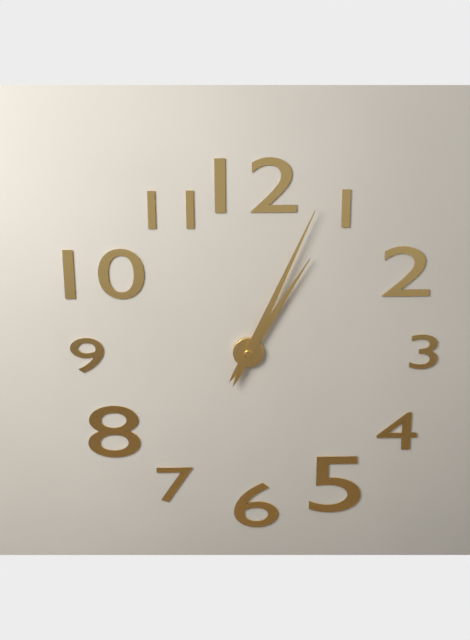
1:04
